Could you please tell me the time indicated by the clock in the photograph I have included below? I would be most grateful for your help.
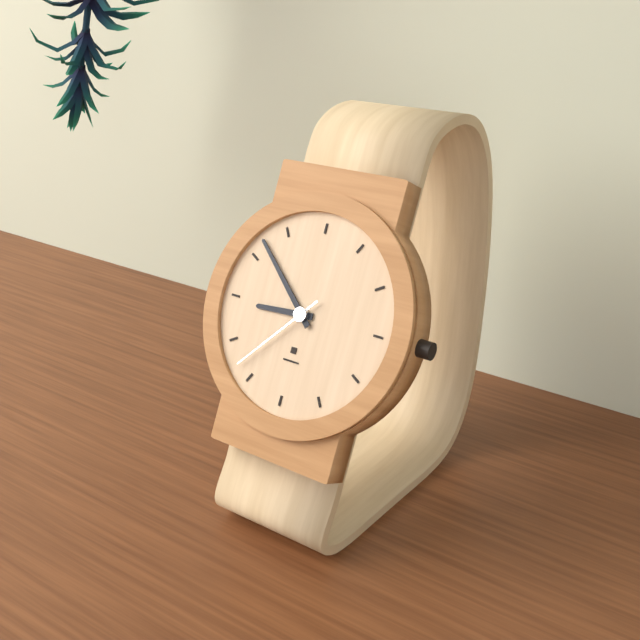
8:52:37
